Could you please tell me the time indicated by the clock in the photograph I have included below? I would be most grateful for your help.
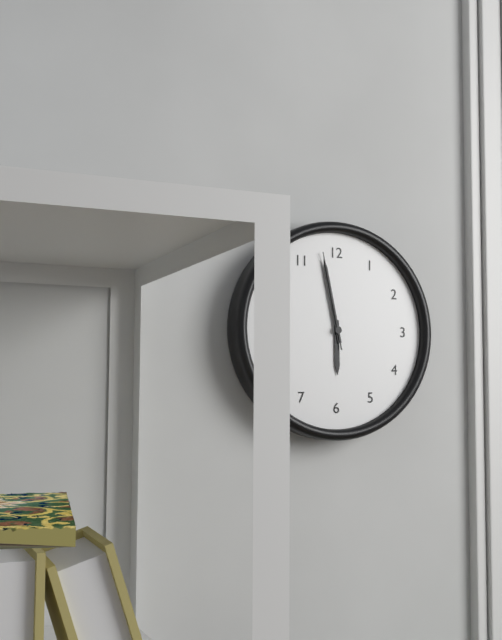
5:58:58
